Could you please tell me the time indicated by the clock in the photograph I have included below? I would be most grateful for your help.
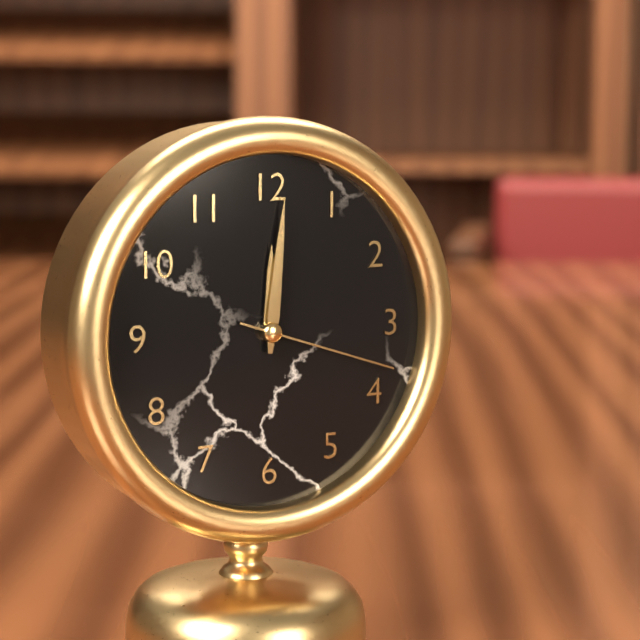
12:01:18
